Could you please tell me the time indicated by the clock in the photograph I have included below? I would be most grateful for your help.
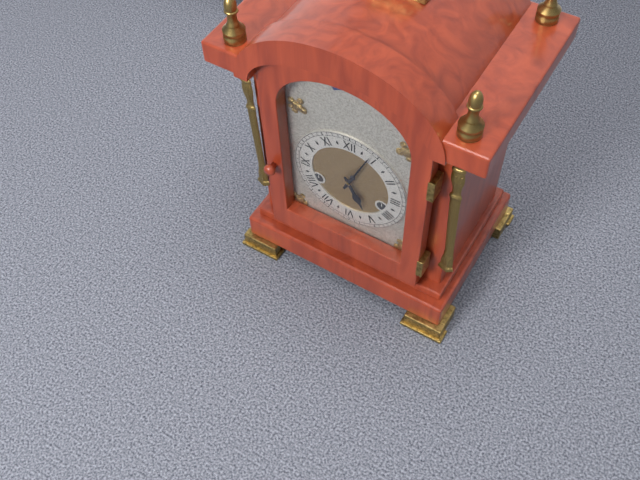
5:04
